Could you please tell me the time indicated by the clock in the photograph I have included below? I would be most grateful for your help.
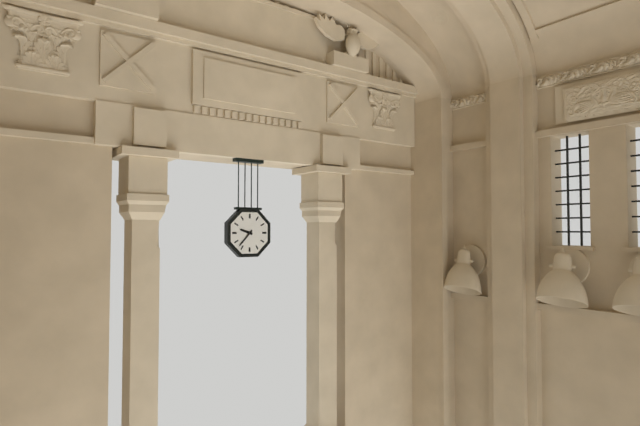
9:37
